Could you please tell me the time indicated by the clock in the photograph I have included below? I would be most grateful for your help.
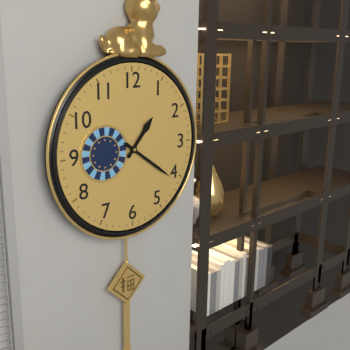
1:21
